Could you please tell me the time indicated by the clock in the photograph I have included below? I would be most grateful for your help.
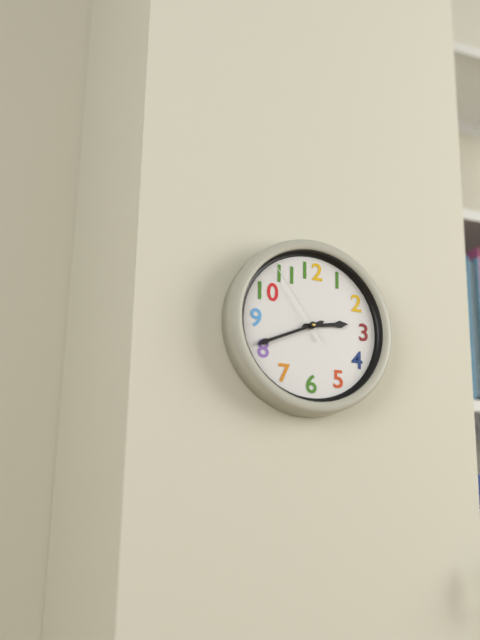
2:41:54
